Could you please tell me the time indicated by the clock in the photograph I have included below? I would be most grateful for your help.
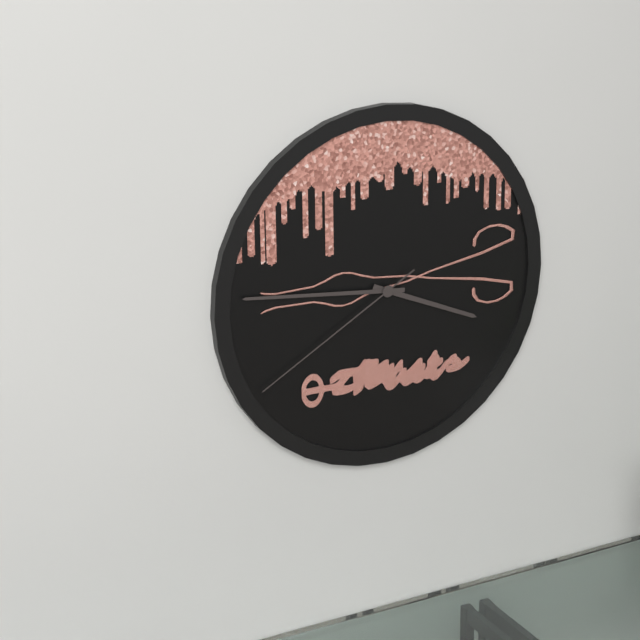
3:46:40
